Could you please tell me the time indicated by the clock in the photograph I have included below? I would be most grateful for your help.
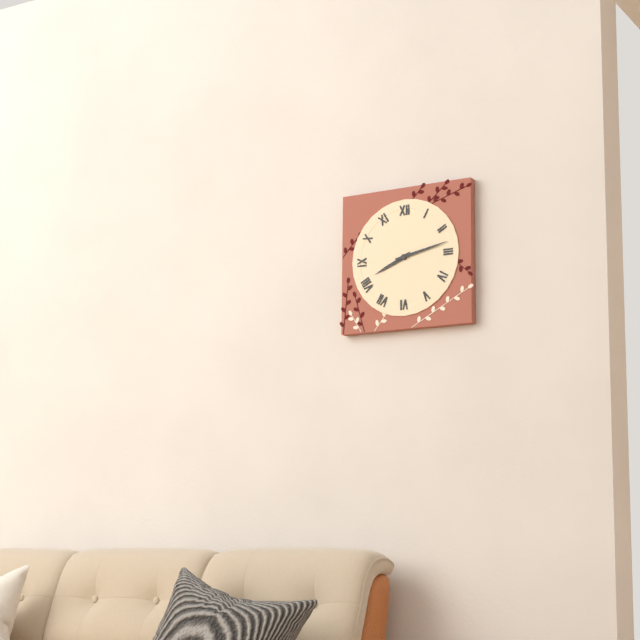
8:13
